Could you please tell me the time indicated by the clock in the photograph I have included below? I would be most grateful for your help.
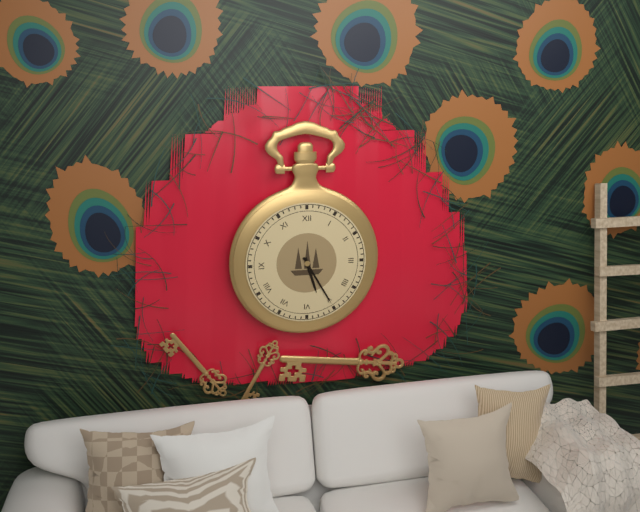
5:25
